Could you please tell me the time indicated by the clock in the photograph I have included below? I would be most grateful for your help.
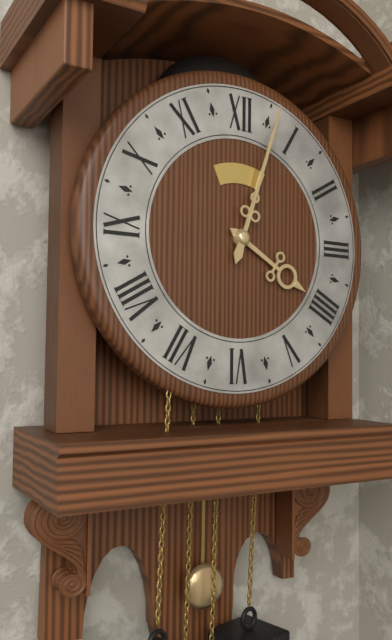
4:03
